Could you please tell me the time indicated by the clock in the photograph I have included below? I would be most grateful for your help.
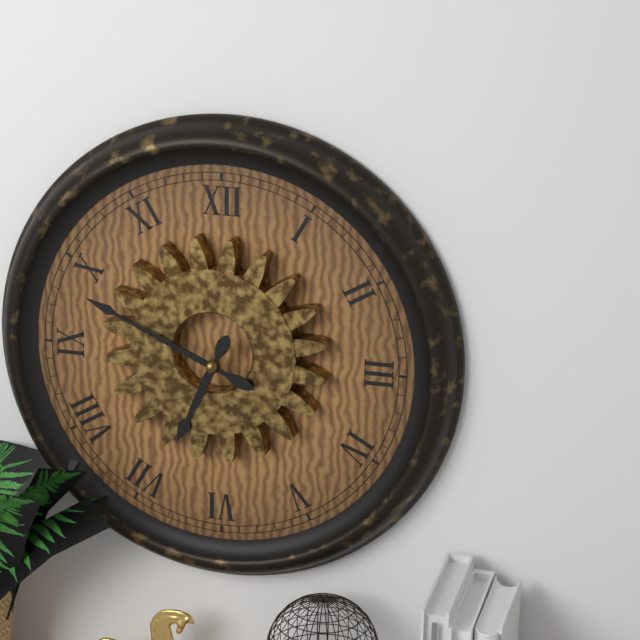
6:49
